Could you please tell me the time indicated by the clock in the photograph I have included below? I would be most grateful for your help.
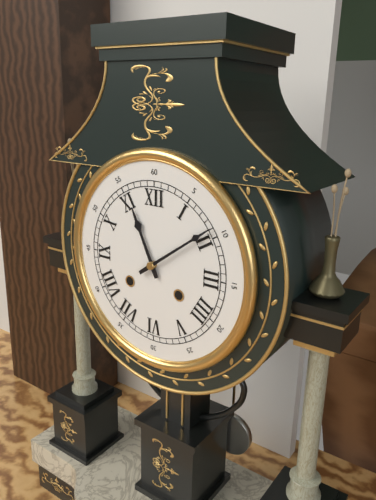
11:09
